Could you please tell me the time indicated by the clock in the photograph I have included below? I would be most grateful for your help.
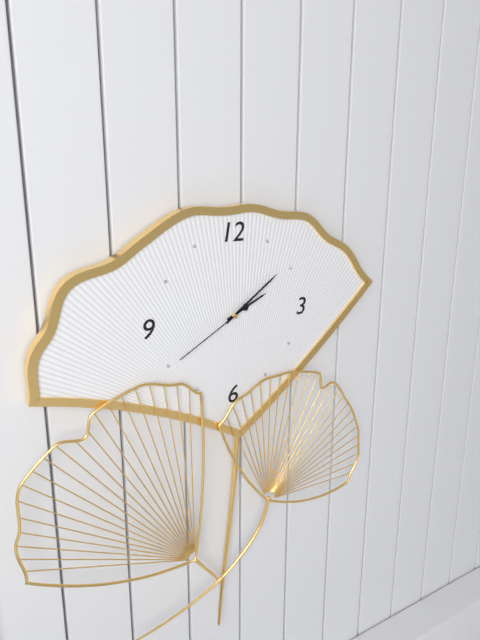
2:09:40
